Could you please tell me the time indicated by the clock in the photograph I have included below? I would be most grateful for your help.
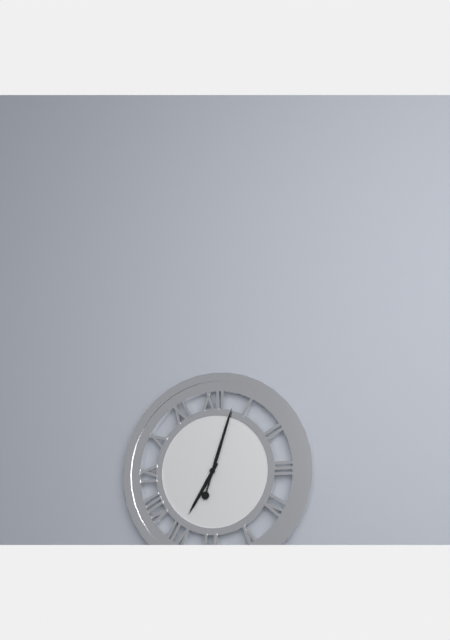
7:03
